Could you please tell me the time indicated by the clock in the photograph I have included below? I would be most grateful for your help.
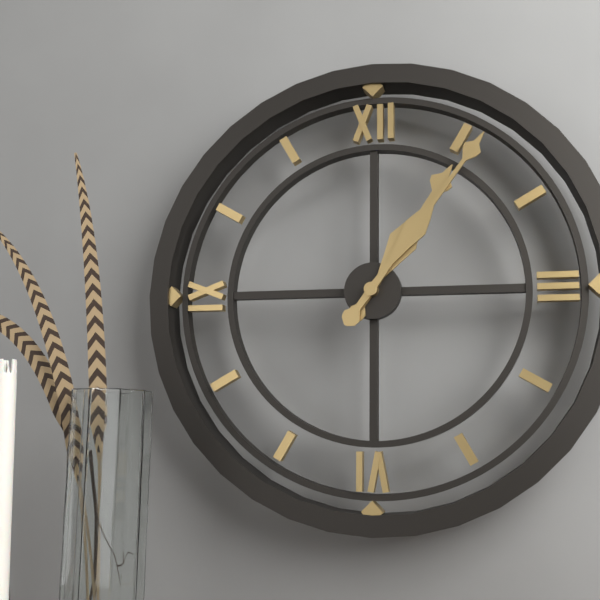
1:06
